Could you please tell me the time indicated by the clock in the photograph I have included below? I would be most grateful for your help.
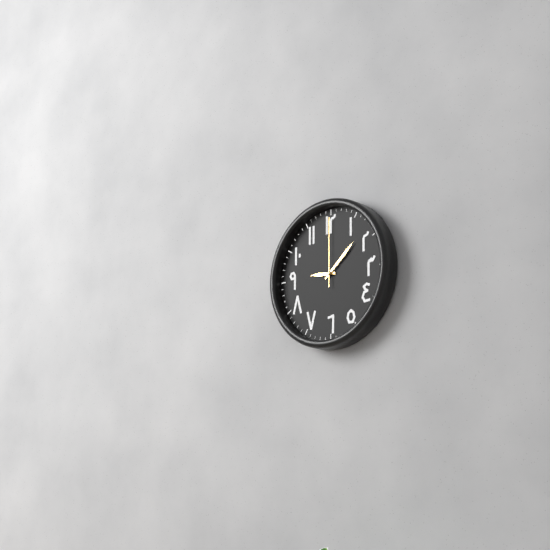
9:08:00
